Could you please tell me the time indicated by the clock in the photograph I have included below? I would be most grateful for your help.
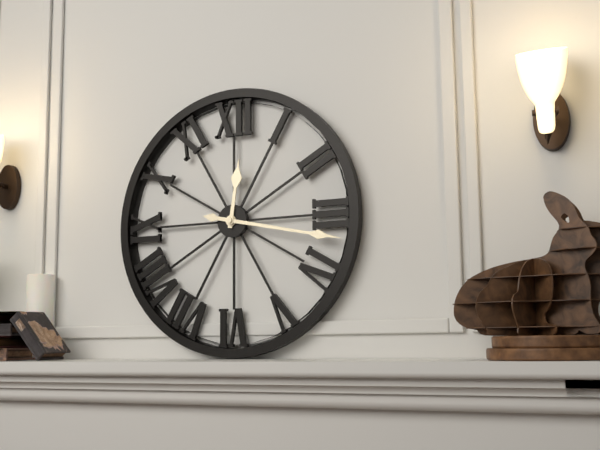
12:17
